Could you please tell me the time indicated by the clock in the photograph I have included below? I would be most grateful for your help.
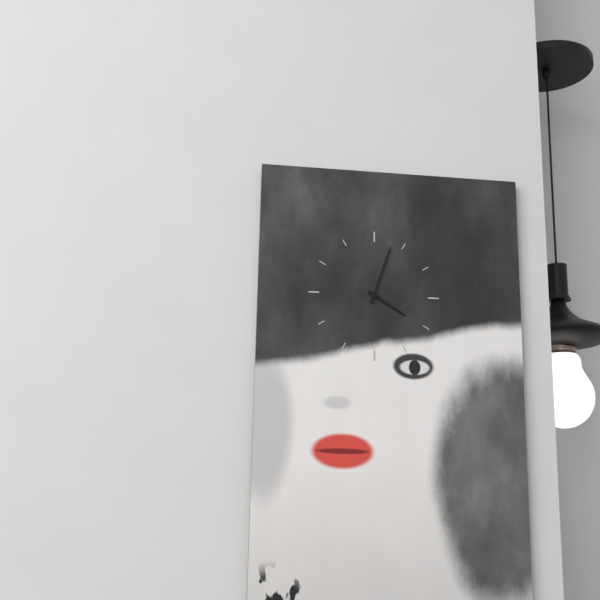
4:03
